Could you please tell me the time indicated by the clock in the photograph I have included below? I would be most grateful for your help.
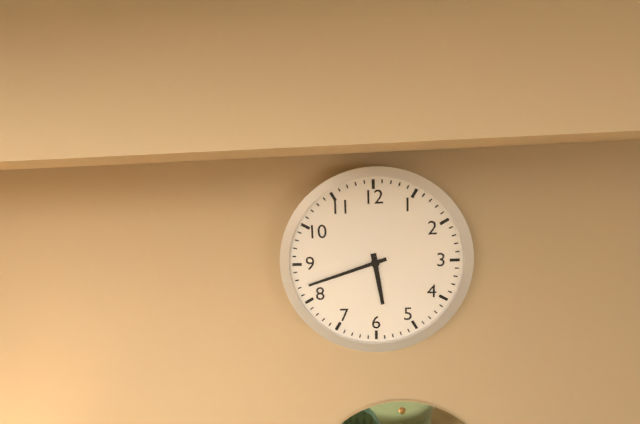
5:42
